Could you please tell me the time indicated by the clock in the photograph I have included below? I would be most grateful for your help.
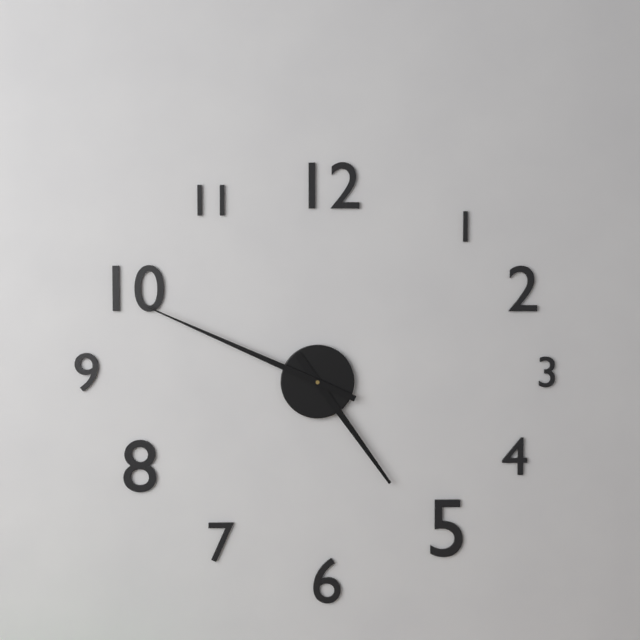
4:49
